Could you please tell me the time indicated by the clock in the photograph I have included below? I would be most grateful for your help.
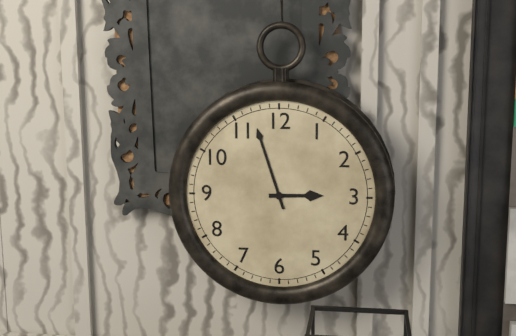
2:57
